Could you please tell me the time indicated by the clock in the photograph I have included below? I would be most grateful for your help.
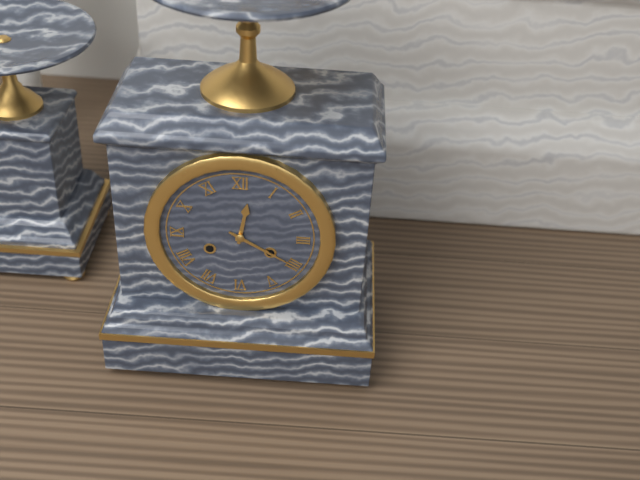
12:20
